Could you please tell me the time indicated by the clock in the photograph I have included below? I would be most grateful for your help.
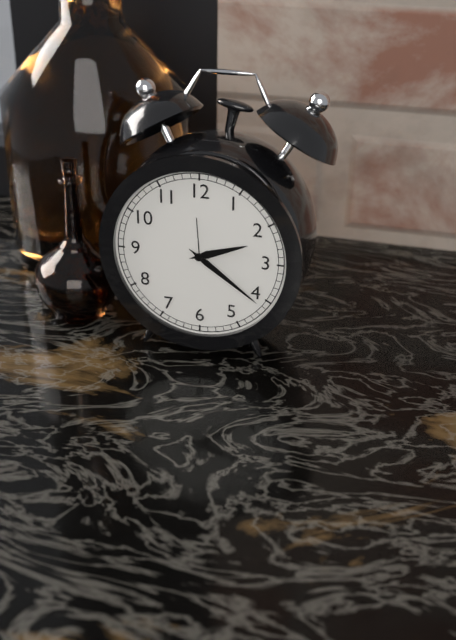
2:21
